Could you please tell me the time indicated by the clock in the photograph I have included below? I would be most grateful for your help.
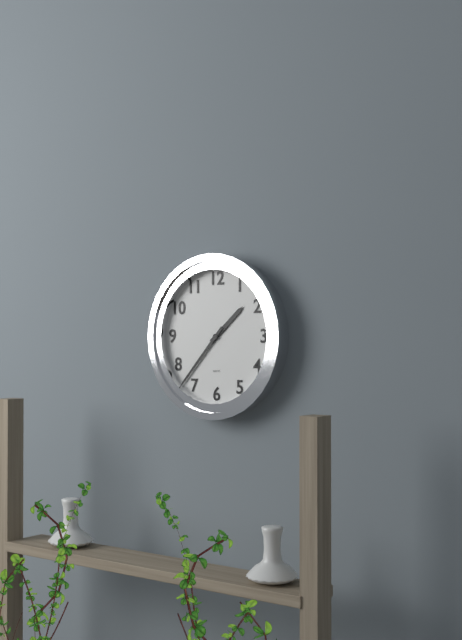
1:37
